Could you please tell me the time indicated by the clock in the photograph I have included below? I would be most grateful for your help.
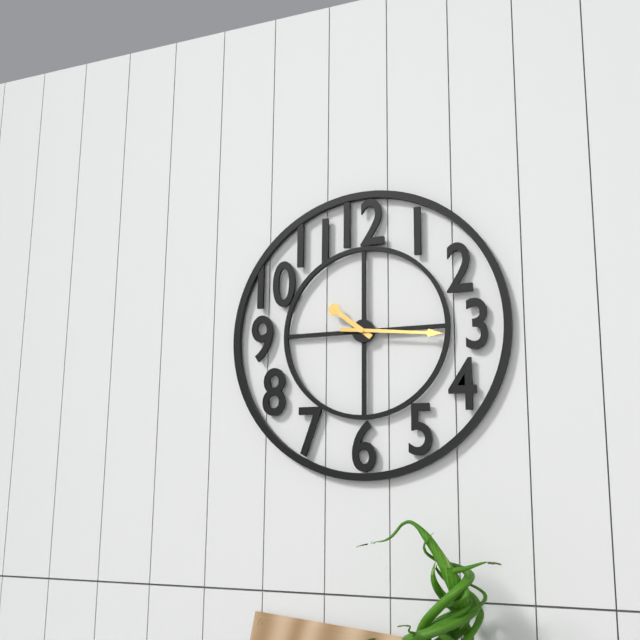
10:16
